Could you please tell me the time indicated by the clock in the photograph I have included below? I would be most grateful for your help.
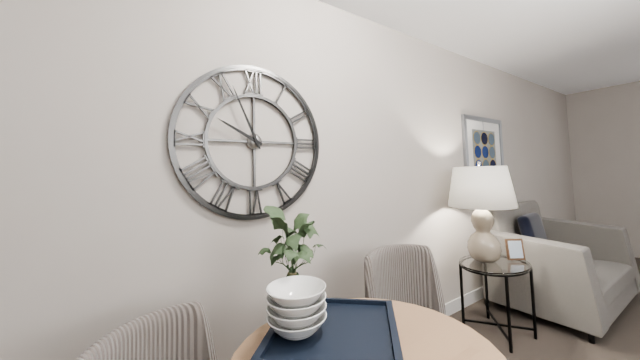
9:56
